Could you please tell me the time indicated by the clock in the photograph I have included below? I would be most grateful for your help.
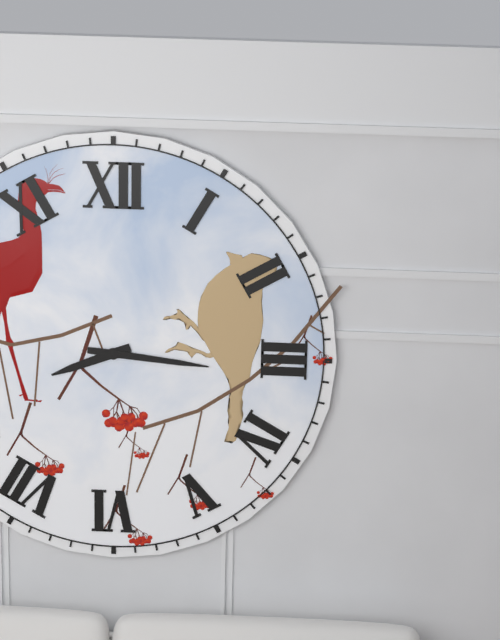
8:16
